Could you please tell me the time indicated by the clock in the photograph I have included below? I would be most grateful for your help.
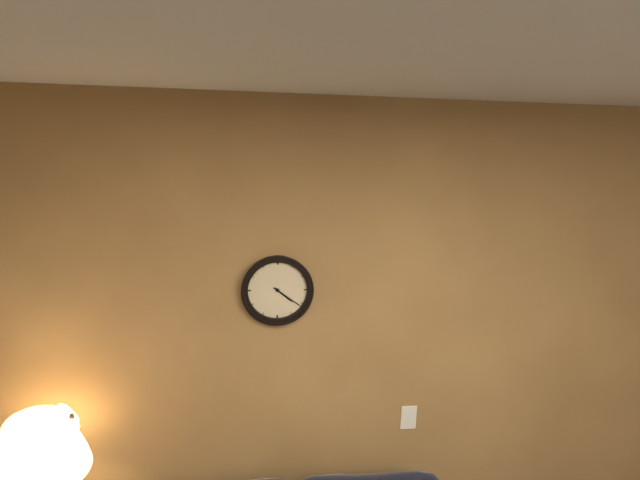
4:21
